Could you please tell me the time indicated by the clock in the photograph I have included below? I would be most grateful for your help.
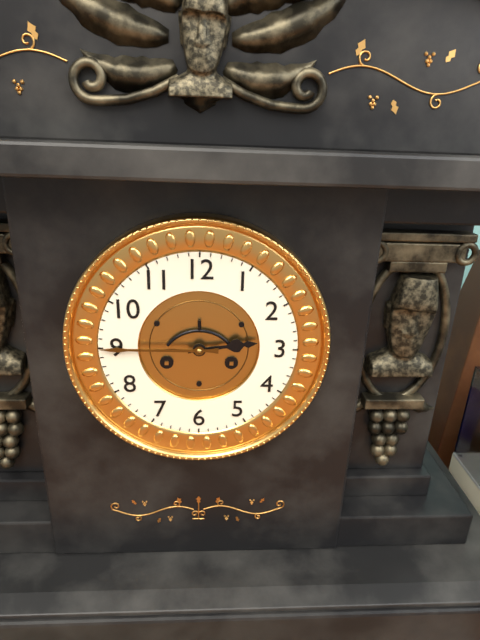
2:45
